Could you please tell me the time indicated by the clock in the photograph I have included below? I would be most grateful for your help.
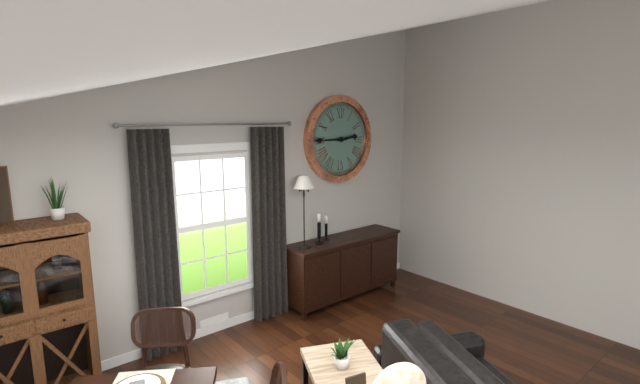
2:45
